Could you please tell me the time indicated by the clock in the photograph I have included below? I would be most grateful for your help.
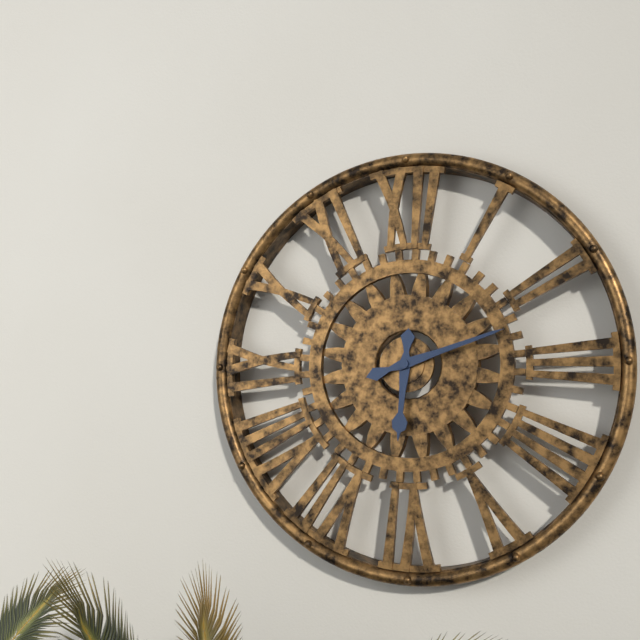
6:12
